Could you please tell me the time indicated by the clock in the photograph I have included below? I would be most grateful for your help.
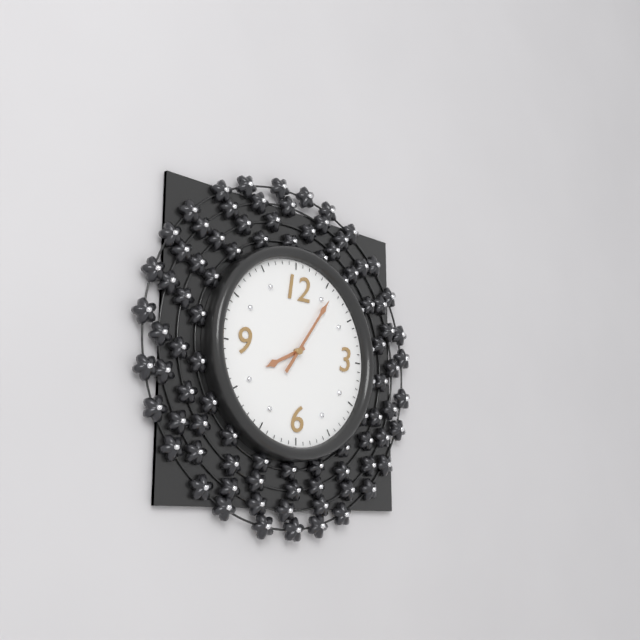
8:06
